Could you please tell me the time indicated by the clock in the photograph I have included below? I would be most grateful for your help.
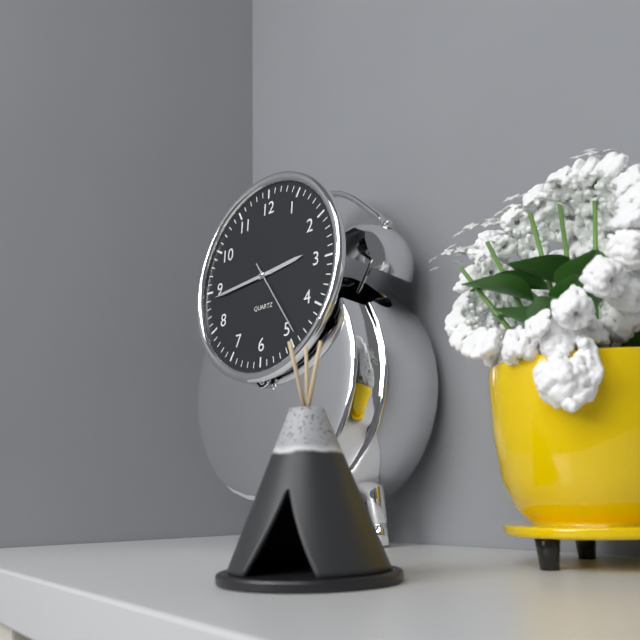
2:44:24
